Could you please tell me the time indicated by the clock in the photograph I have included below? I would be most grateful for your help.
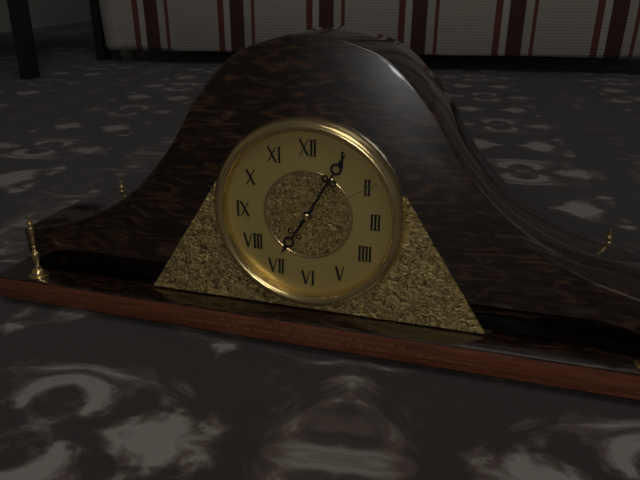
7:05:10
